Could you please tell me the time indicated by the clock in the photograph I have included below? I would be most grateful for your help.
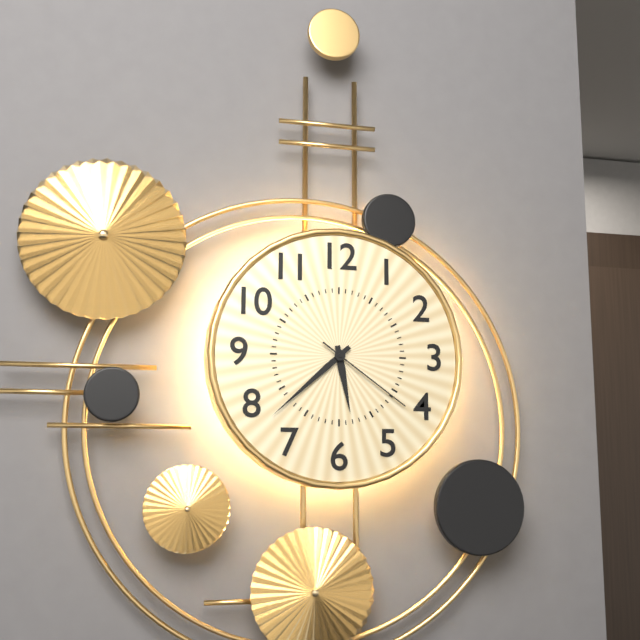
5:38:21
